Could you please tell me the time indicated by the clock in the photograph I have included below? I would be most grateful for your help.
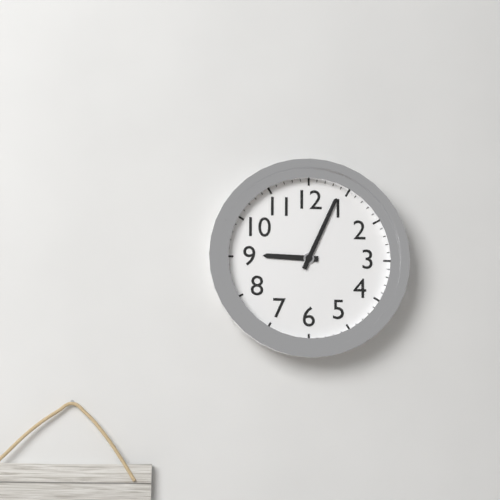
9:04
